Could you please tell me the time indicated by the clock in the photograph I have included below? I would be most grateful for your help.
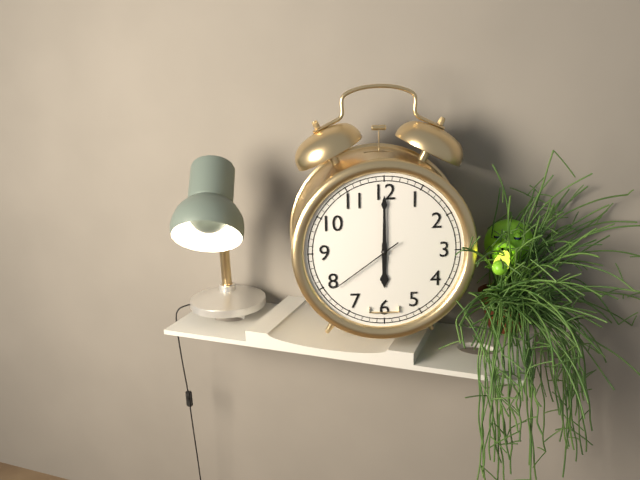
6:00:39
